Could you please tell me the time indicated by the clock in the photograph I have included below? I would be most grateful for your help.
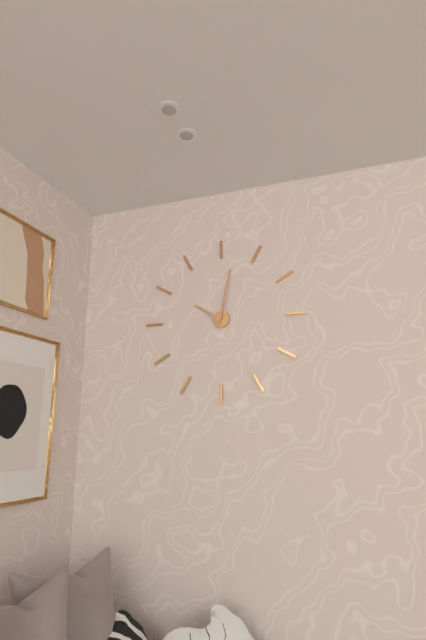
10:02
